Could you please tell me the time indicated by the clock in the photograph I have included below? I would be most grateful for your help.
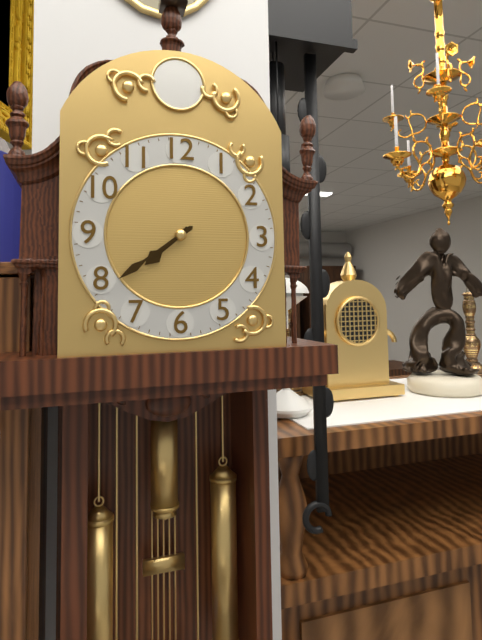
7:39
